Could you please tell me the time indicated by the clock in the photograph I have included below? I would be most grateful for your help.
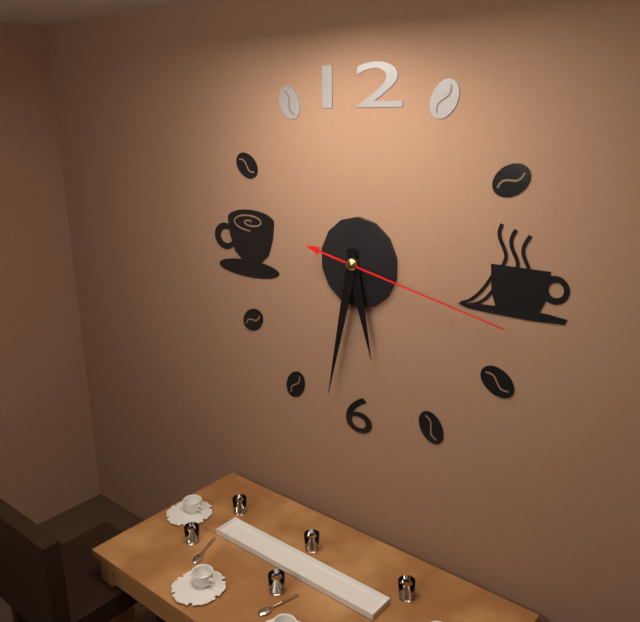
5:32:17
